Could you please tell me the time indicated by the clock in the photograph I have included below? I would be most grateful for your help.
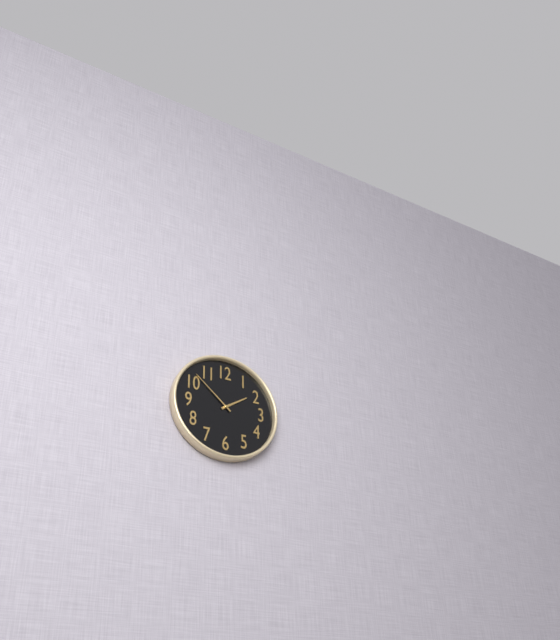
1:52
